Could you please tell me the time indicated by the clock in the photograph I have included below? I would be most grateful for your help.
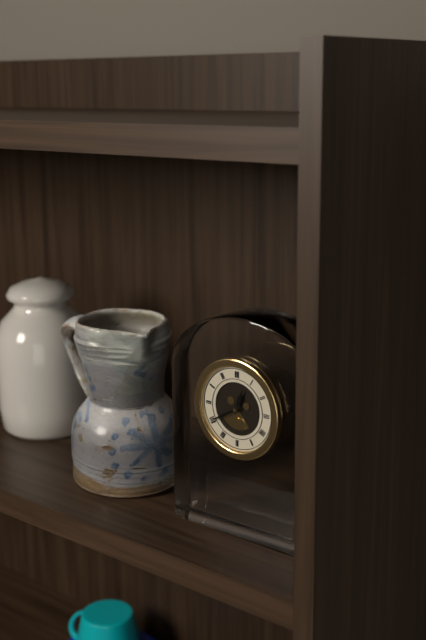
12:40
